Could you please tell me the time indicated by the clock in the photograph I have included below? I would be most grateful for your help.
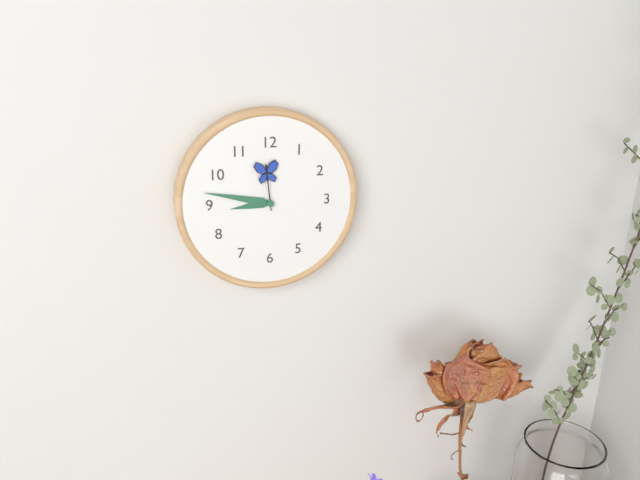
8:47:59
